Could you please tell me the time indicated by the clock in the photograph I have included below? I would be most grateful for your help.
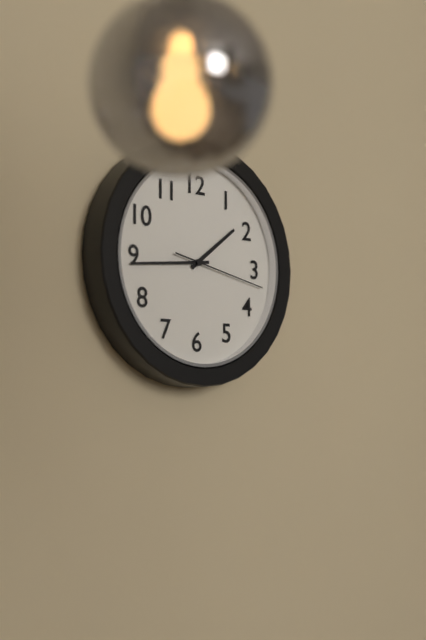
1:44:17
